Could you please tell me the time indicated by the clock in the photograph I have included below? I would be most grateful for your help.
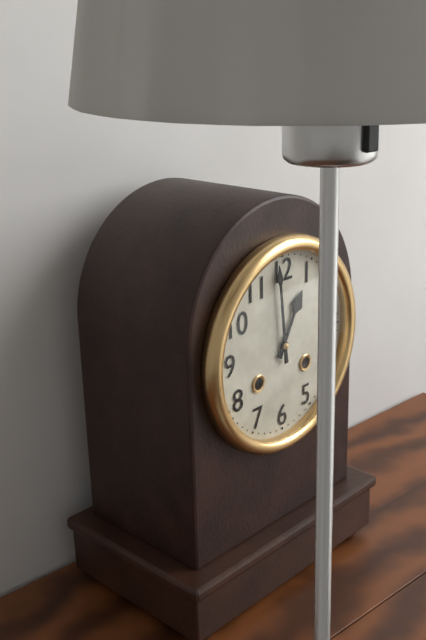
12:59
